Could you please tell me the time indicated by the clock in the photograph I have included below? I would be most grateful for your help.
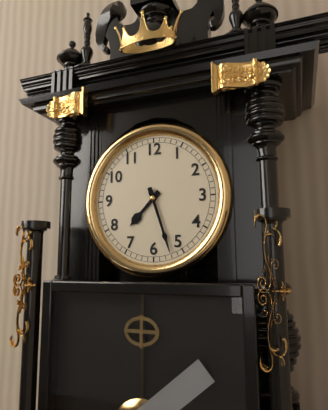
7:27
